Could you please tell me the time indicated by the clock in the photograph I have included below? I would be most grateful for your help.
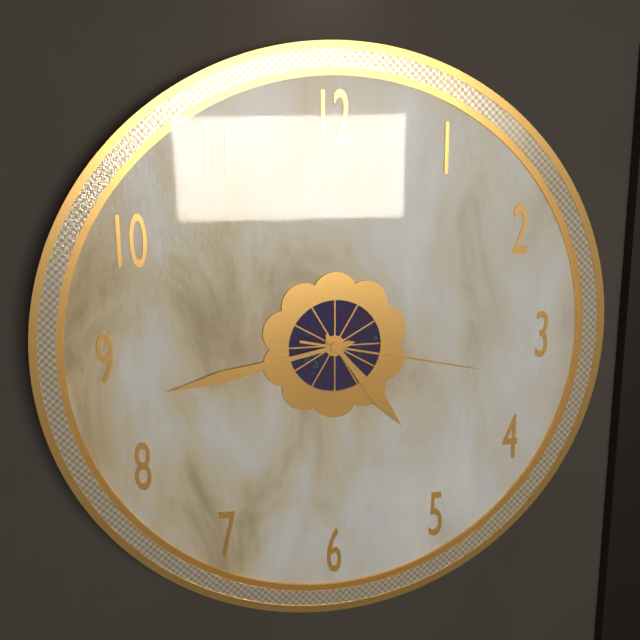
4:43:17
